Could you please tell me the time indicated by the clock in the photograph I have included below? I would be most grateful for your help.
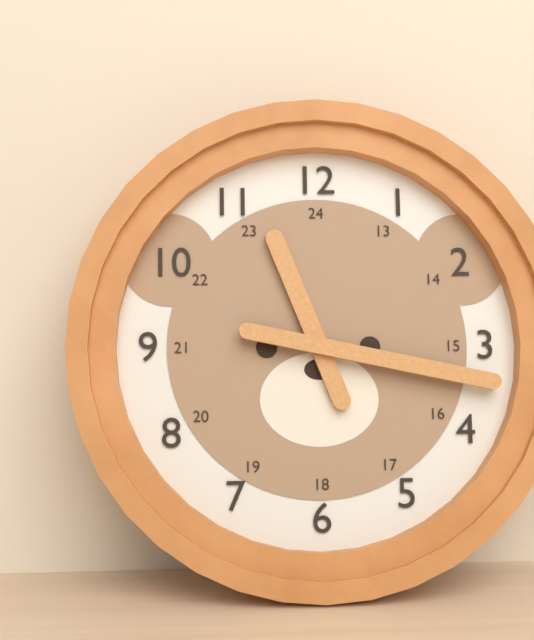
11:17
